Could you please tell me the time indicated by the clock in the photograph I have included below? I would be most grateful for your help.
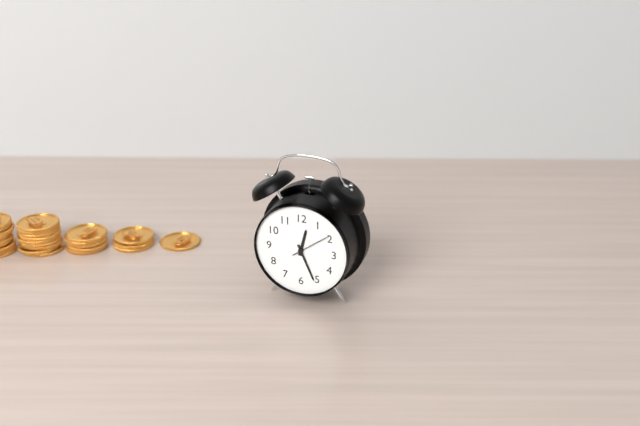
12:26
